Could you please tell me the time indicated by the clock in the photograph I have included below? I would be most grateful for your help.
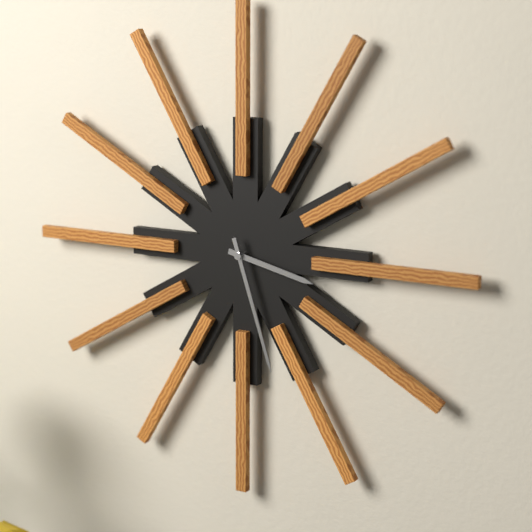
3:27
